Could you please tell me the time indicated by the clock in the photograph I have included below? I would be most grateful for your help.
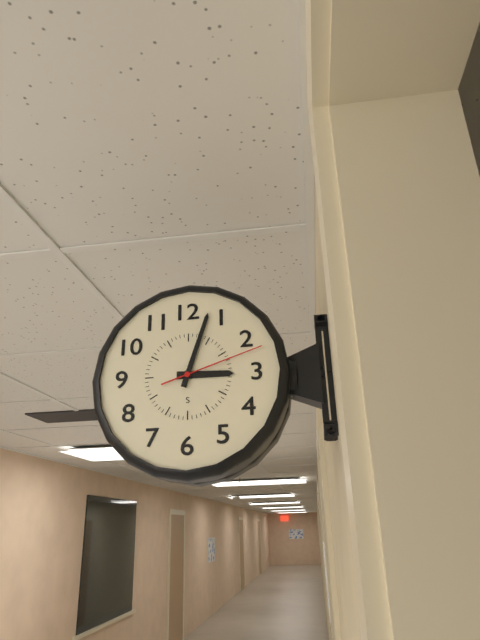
3:03:12
